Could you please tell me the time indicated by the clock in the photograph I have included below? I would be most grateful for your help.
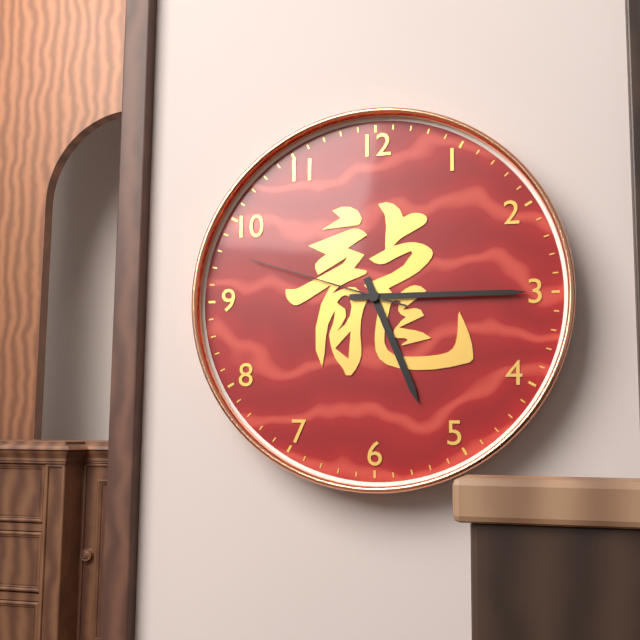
5:15:48
